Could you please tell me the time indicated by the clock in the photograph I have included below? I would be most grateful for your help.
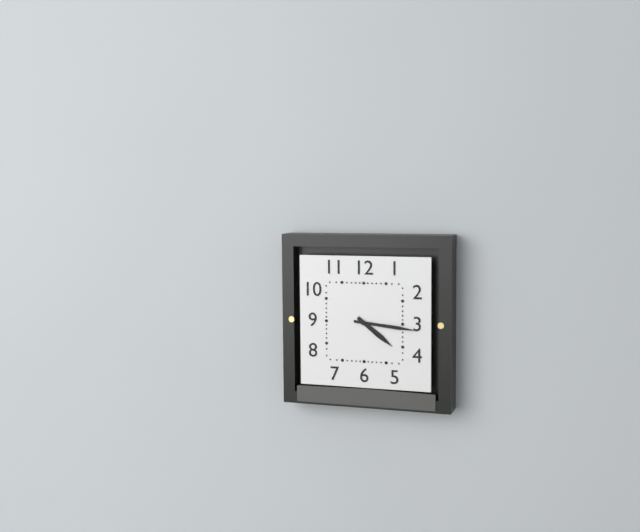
4:16
